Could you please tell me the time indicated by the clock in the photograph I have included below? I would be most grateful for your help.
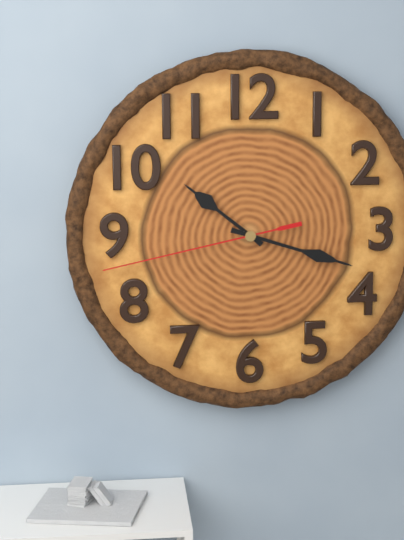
10:18:43
